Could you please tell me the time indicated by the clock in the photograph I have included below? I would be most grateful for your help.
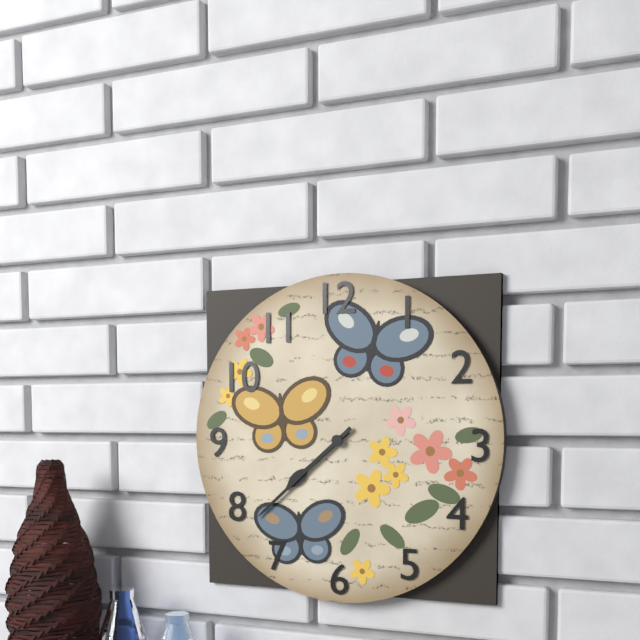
7:38
